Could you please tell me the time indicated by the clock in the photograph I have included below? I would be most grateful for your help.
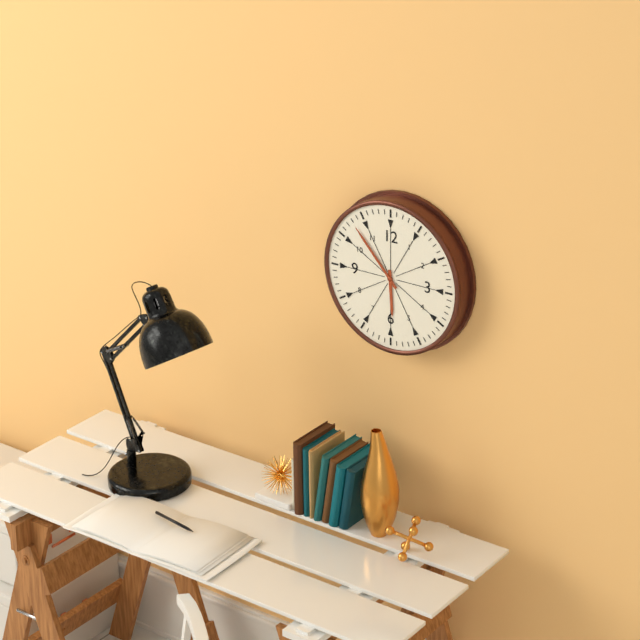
5:53
